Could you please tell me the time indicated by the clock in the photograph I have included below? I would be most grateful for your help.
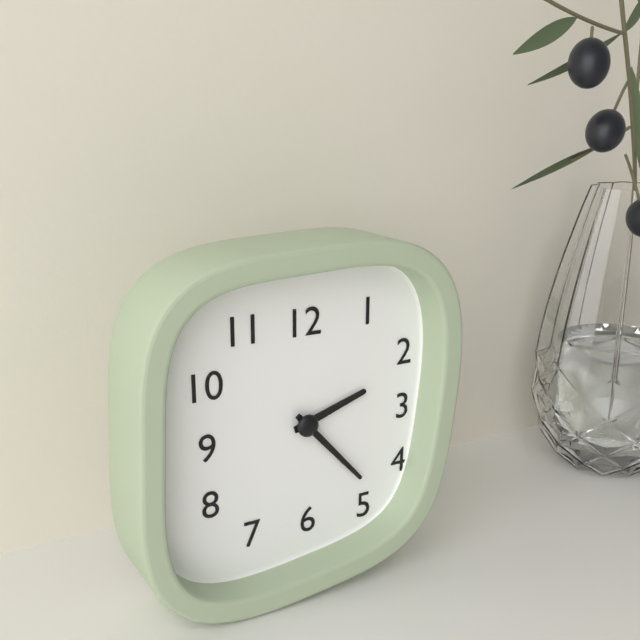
2:23
